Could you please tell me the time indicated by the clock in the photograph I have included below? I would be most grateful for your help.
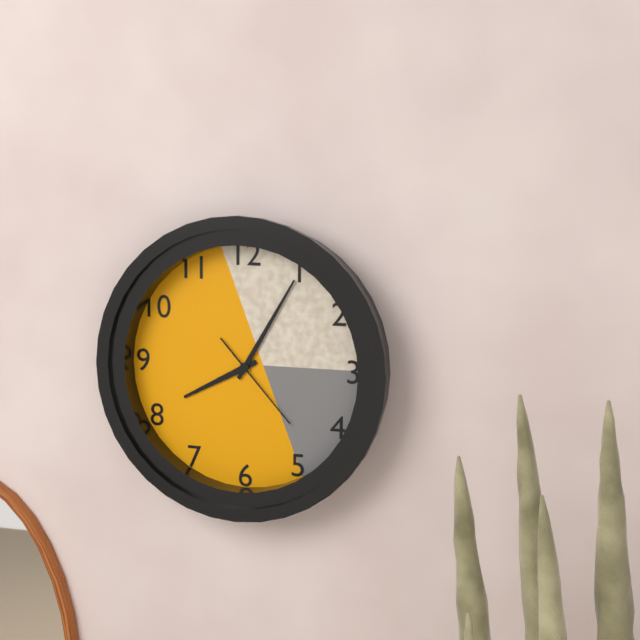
8:05:23
